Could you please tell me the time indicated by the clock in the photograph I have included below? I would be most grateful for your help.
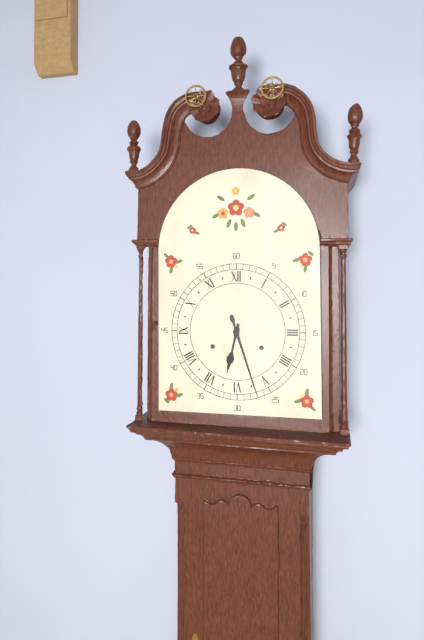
6:27
